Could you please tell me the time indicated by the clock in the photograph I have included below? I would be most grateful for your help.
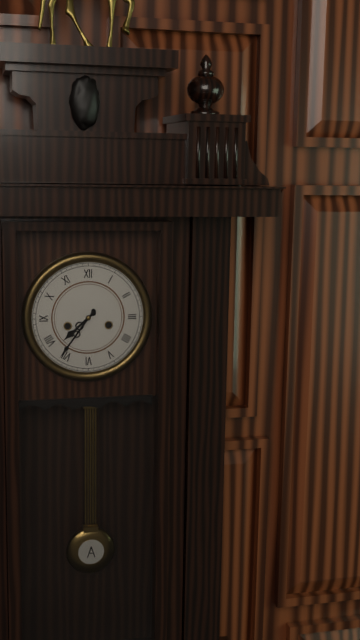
7:36
